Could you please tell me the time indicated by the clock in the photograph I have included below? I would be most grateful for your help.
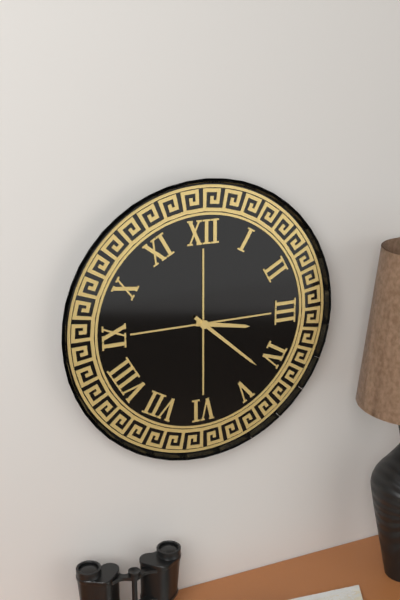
3:22
